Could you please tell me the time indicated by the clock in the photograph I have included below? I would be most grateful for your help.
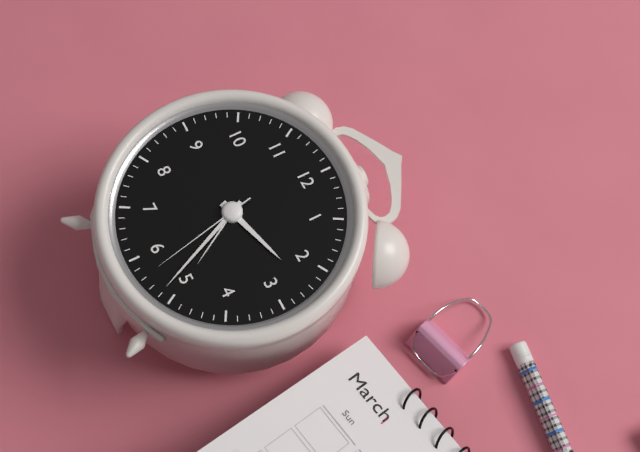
2:26:28
